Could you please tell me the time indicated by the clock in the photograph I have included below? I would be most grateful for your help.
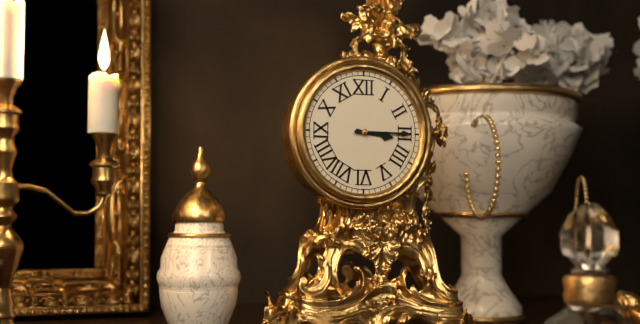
3:15
